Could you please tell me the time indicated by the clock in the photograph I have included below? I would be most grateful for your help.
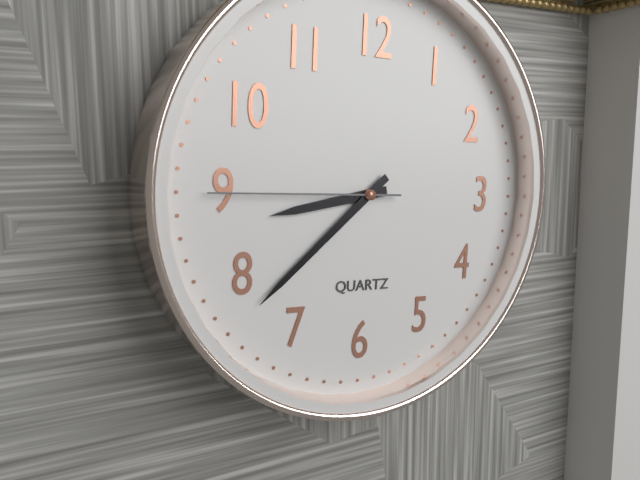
8:38:45
